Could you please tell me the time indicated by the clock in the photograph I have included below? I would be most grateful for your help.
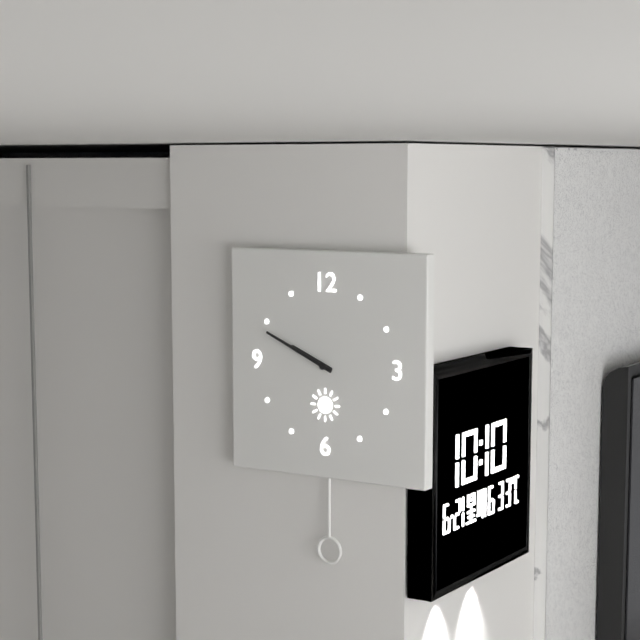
9:49
